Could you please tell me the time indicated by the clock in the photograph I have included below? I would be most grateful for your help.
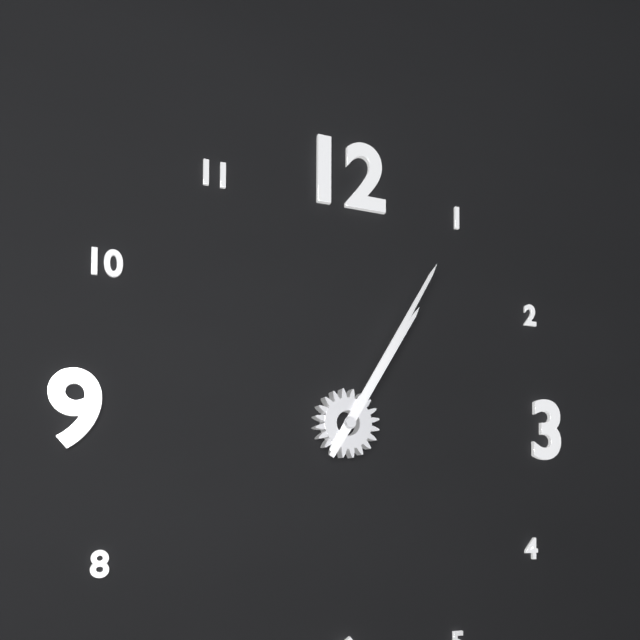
1:05
